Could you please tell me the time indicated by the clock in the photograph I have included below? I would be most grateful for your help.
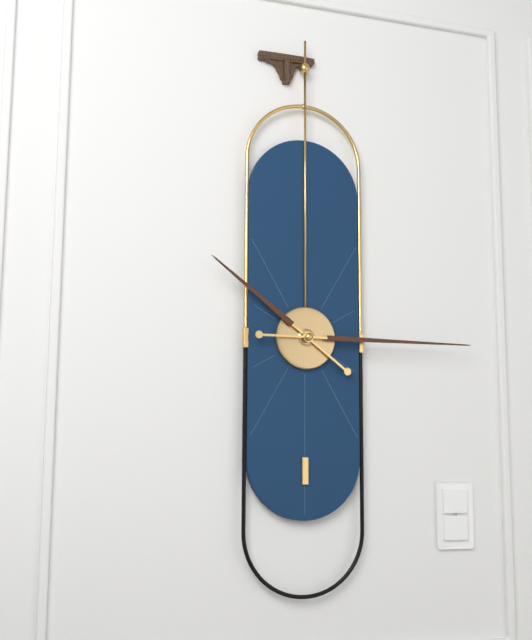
10:15
